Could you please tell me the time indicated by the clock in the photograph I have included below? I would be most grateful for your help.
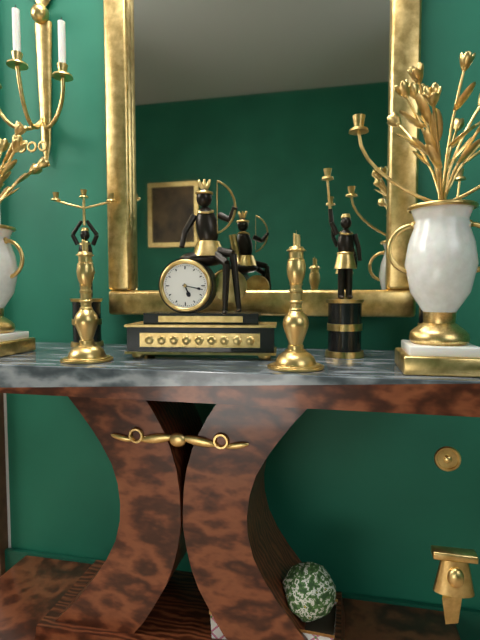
5:17
